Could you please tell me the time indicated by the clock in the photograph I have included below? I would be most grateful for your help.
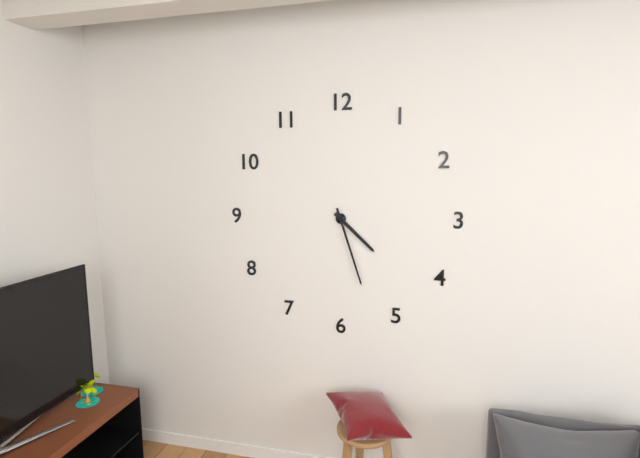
4:27
